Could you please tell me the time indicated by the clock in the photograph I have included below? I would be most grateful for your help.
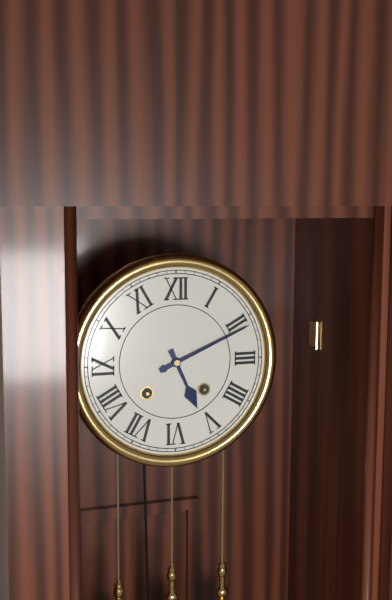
5:11
